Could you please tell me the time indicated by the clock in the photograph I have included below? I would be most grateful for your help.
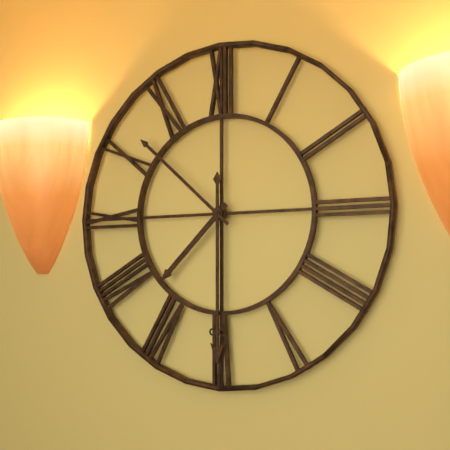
7:30:52
